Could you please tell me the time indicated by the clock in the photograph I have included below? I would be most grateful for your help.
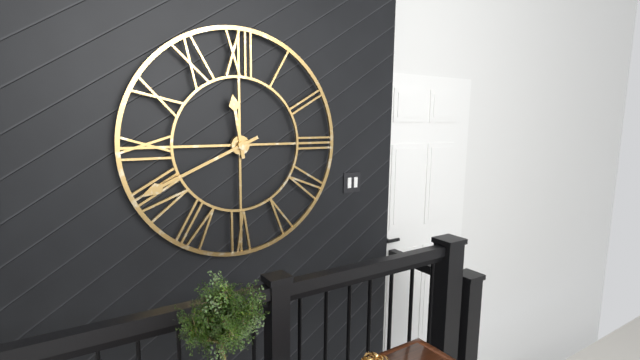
11:41
